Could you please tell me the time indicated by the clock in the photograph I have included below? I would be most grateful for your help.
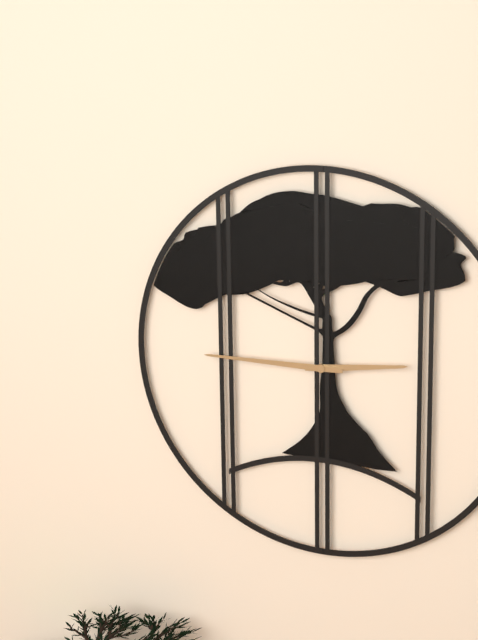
2:45
